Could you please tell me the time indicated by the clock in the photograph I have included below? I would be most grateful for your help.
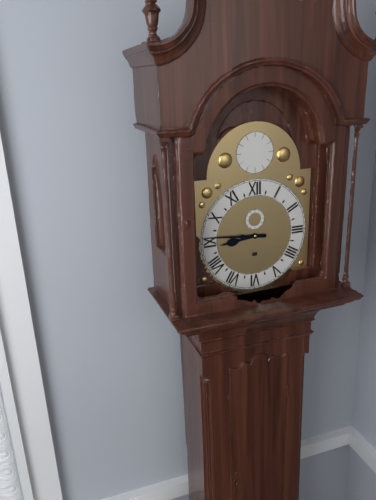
8:46
